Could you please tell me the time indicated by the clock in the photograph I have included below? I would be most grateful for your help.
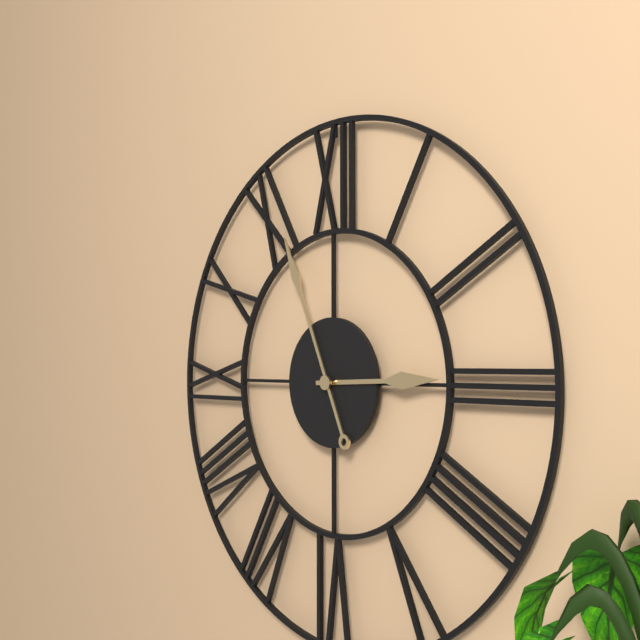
2:56
